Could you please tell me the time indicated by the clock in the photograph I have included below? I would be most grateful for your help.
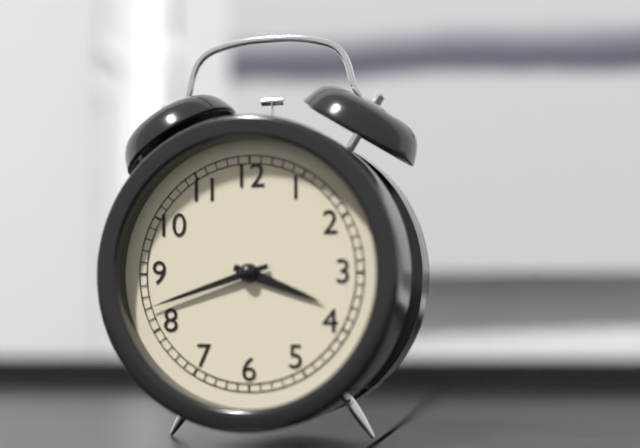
3:42
